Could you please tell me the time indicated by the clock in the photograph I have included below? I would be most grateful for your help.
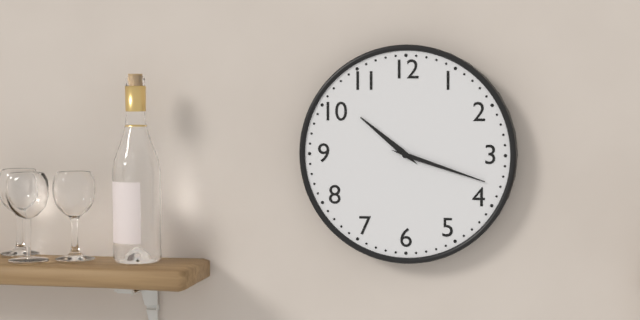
10:18
